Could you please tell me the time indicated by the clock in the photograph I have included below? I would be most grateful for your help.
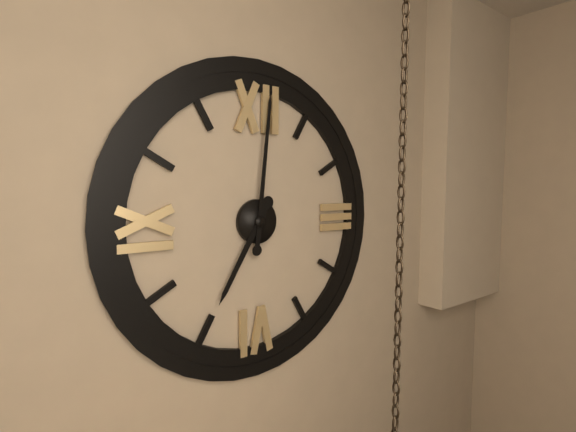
7:01
